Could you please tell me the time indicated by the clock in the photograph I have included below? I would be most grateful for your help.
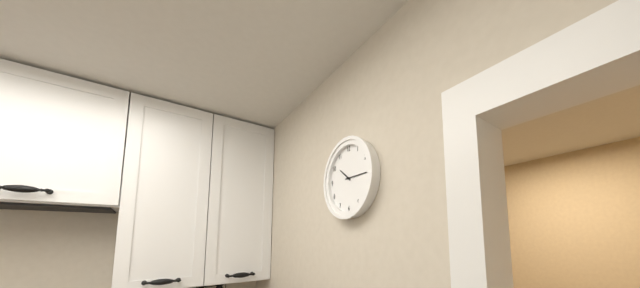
10:15
